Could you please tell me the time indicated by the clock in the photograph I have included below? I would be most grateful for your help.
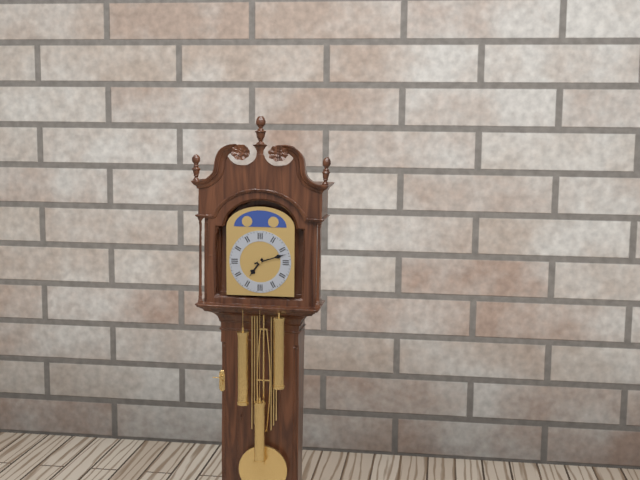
7:12
